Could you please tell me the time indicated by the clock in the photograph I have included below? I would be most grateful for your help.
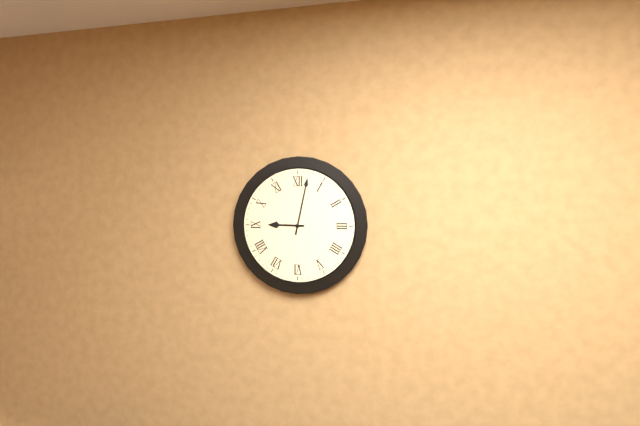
9:02
